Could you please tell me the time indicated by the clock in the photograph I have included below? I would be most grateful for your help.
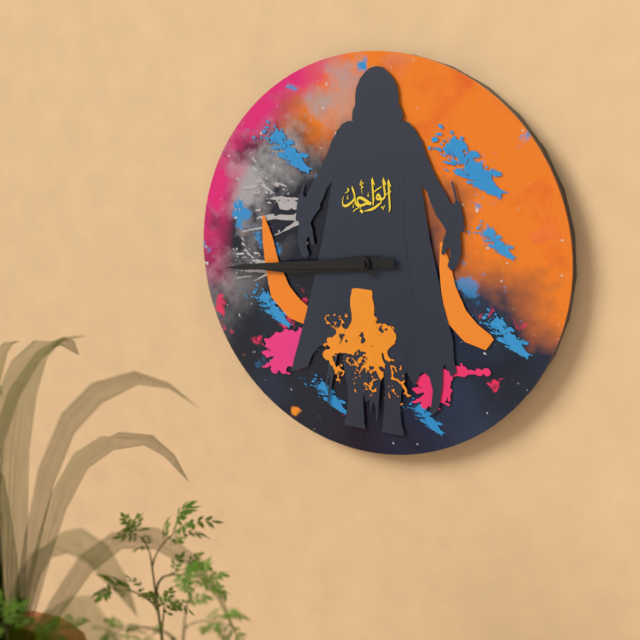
8:44
